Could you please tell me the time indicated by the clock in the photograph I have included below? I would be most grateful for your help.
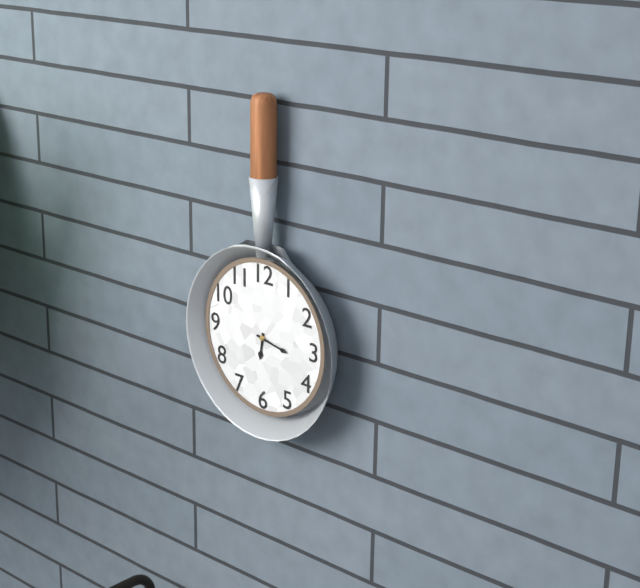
6:17
